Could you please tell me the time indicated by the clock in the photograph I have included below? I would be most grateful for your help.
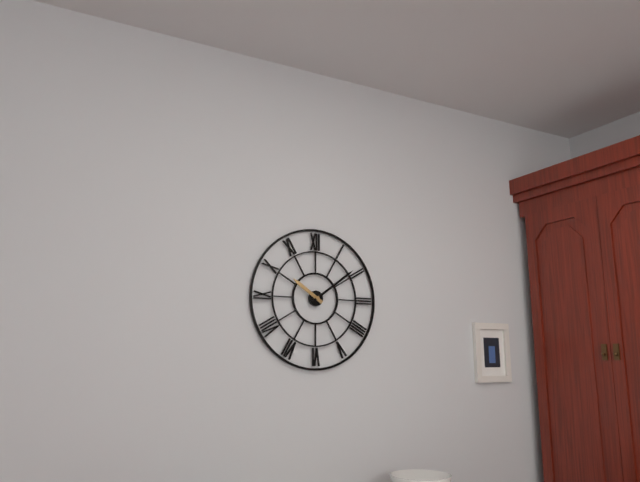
10:09
